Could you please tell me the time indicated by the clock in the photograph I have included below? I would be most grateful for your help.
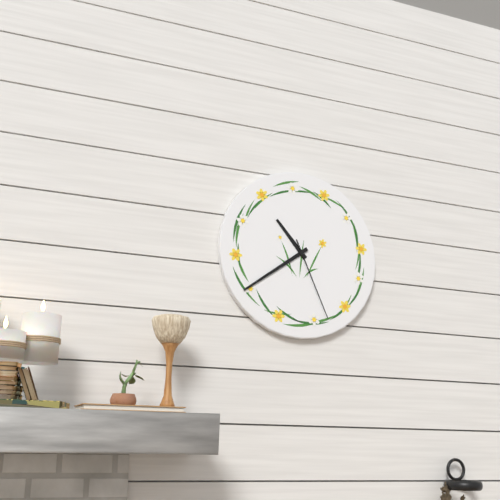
10:39:26
